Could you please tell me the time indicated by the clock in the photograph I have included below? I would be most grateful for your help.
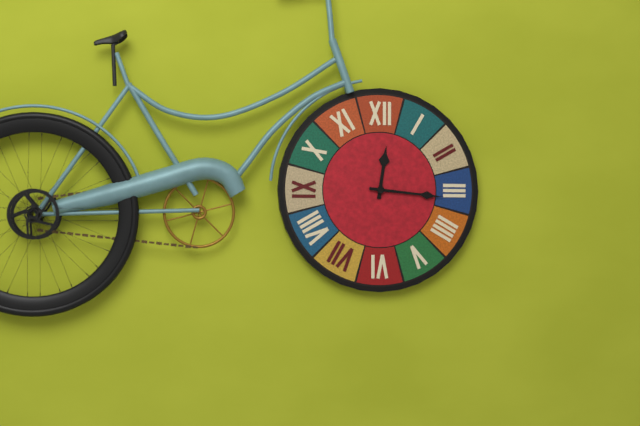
12:16
